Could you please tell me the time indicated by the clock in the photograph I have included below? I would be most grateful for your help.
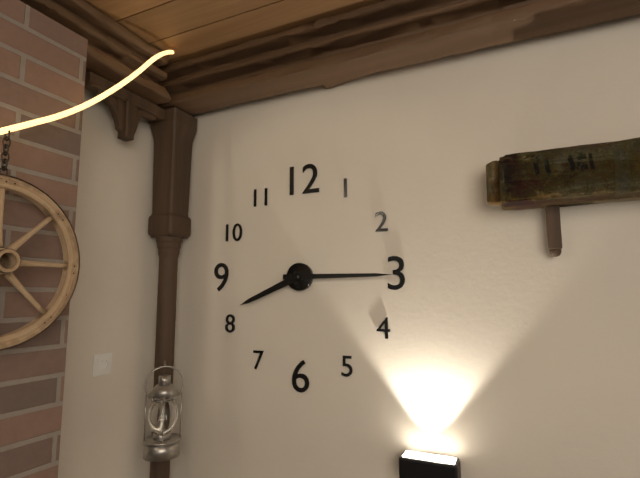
8:15
